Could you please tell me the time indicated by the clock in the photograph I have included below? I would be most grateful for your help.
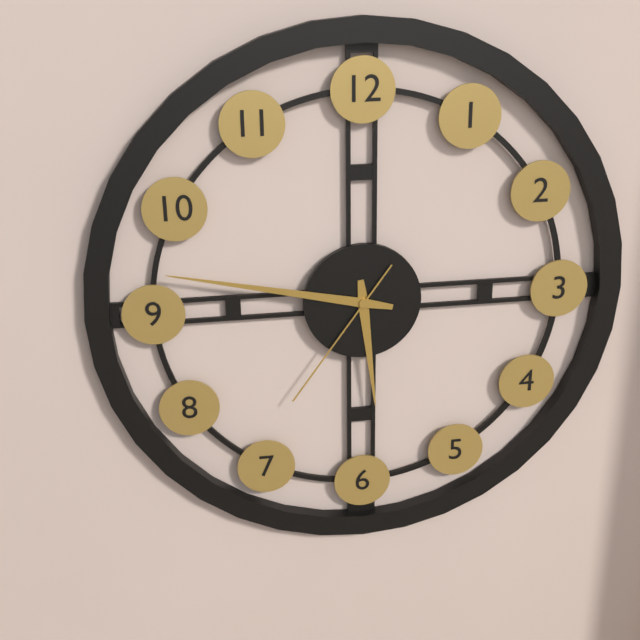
5:47:36
